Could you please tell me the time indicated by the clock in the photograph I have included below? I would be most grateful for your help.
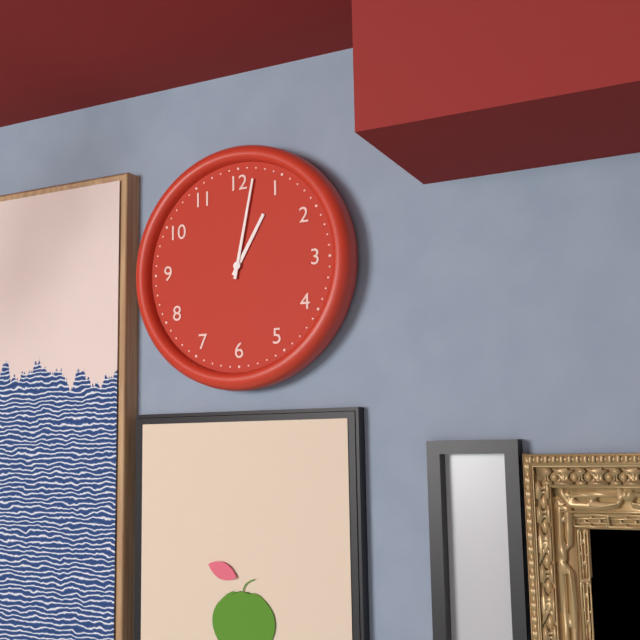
1:02
